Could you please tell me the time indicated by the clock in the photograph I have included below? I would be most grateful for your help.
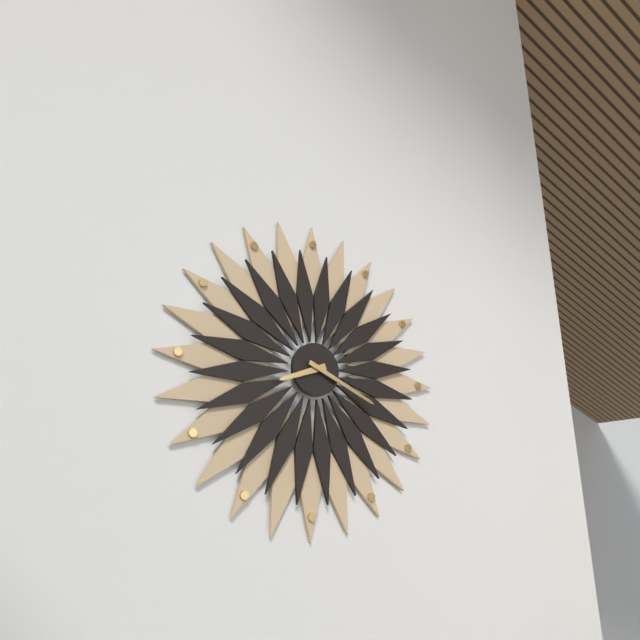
8:19
